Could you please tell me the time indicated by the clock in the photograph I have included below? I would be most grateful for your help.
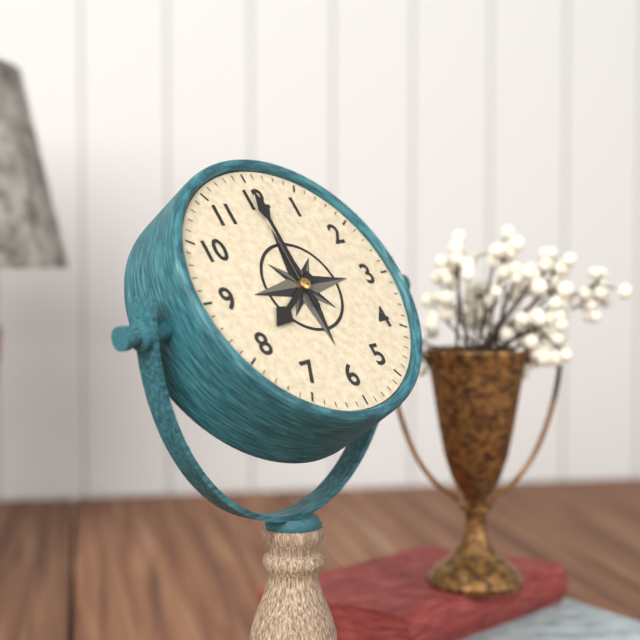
8:00
